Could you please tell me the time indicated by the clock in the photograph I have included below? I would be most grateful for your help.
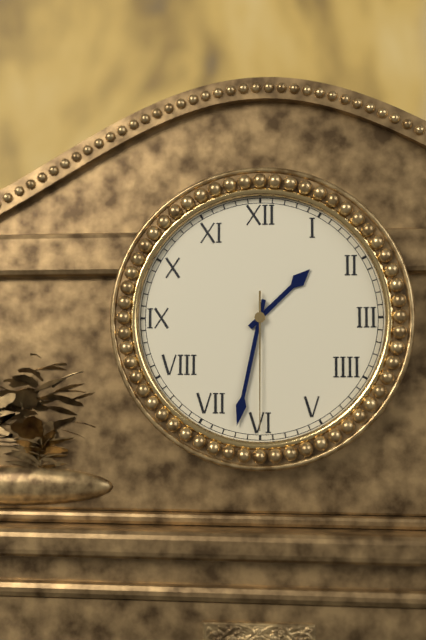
1:32:30
